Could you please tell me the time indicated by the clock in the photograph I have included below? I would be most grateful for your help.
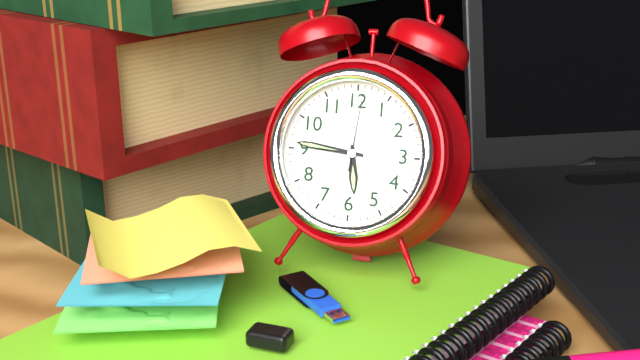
5:46:01
